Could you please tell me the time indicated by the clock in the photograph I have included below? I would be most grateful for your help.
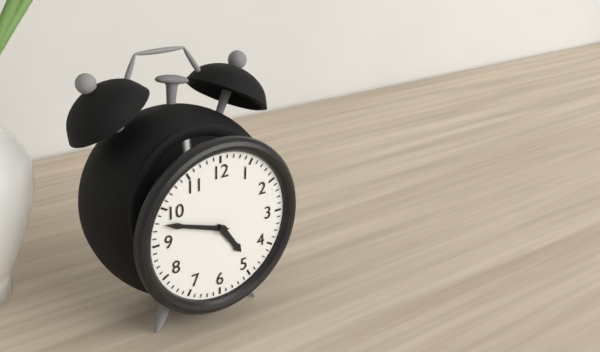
4:48
